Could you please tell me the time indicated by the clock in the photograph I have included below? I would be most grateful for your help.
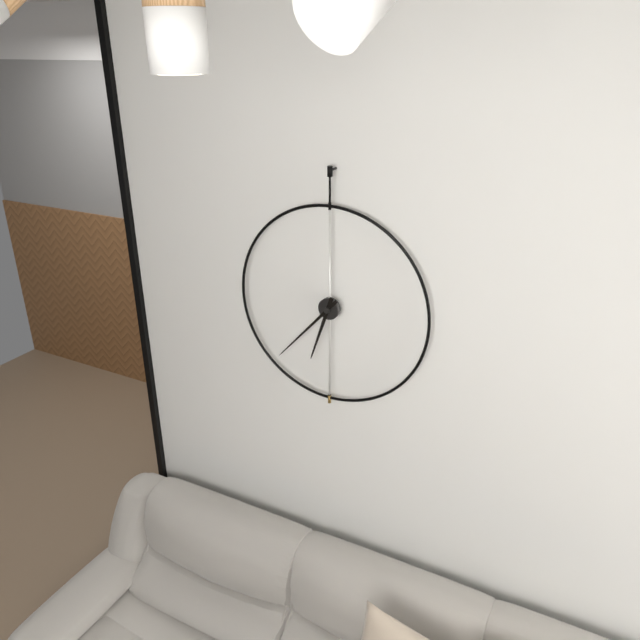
6:37
